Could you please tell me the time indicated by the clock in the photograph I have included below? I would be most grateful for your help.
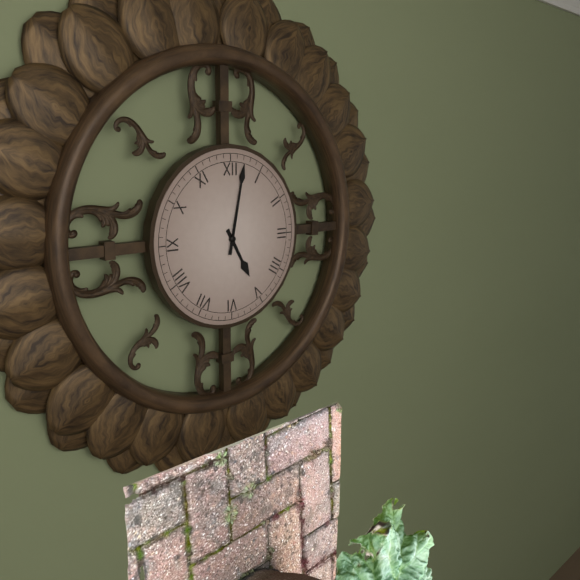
5:02
